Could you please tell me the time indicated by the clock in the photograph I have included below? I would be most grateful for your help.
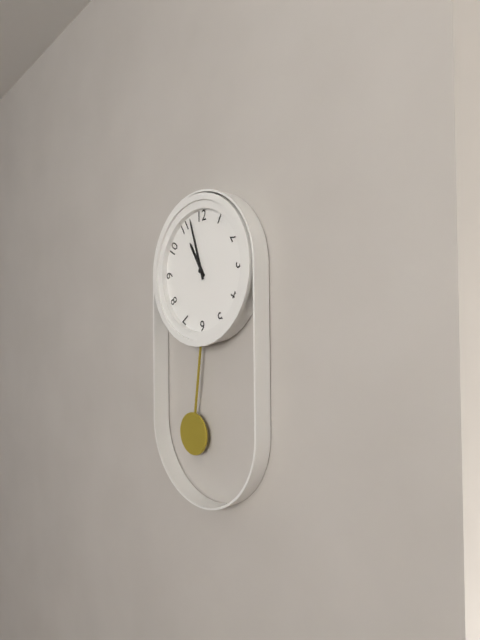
10:57
